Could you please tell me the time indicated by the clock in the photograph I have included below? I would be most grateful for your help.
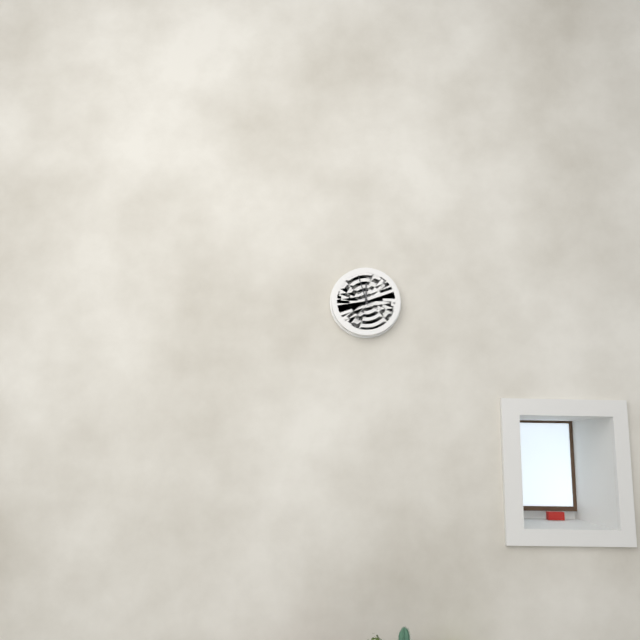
11:57
